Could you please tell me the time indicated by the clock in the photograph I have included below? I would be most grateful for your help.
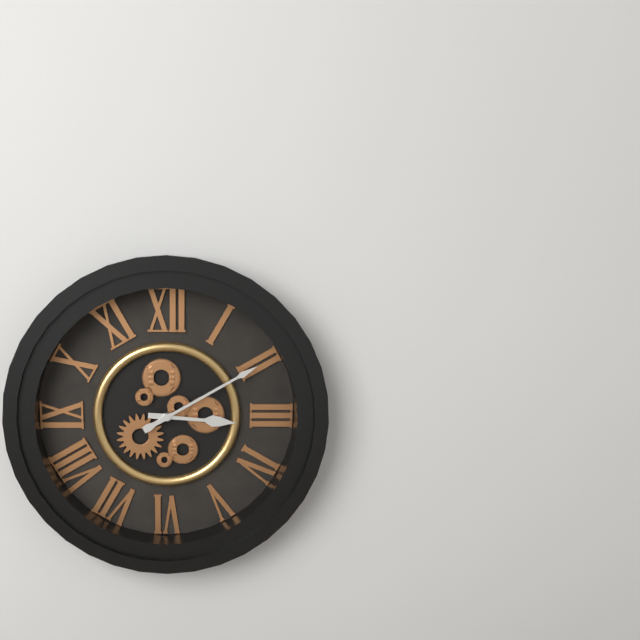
3:10
